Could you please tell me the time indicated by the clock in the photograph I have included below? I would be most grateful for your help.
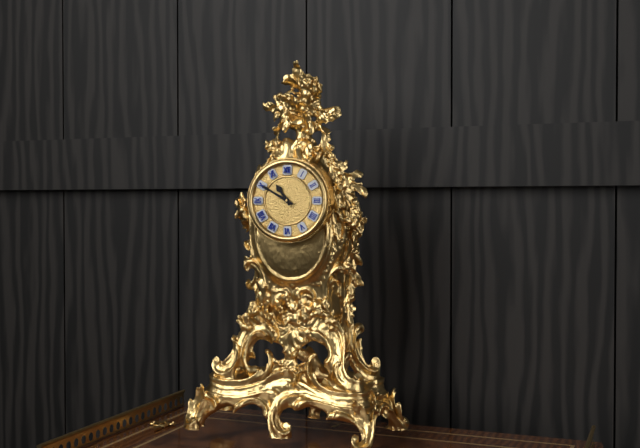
10:50
